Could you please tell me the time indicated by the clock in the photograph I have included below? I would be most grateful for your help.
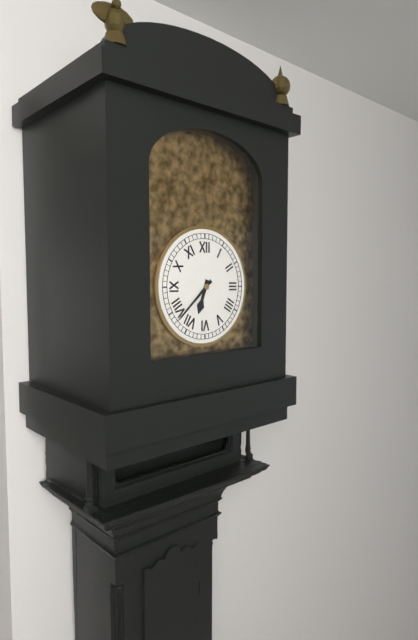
6:38
